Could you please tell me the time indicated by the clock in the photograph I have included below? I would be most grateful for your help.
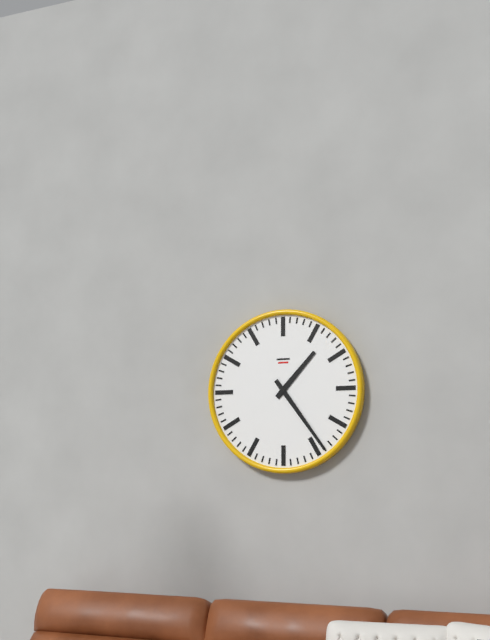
1:24
